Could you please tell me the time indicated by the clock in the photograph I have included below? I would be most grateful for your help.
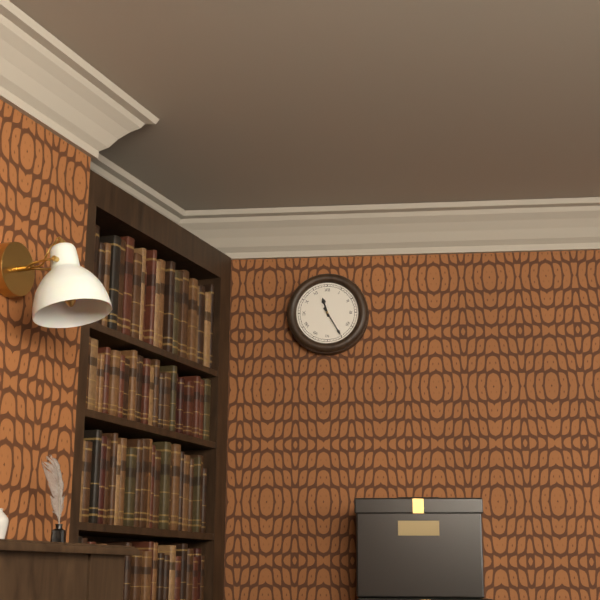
11:25
